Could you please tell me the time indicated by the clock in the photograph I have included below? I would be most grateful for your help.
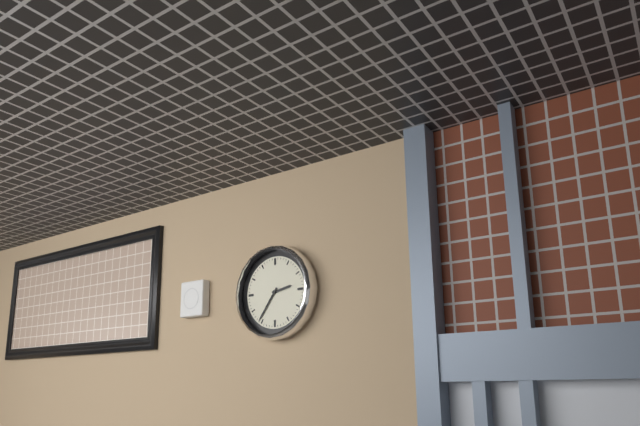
2:36
